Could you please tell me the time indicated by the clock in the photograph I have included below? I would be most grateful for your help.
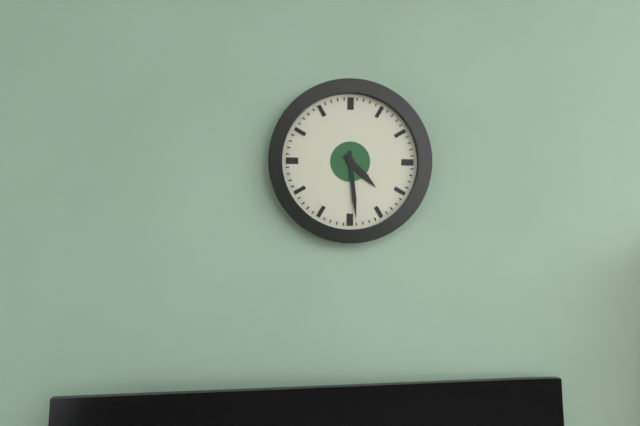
4:29
